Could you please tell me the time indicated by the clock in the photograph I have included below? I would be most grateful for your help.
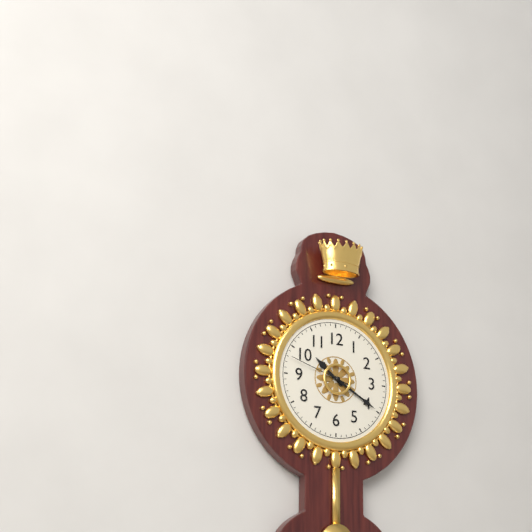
10:20:48
